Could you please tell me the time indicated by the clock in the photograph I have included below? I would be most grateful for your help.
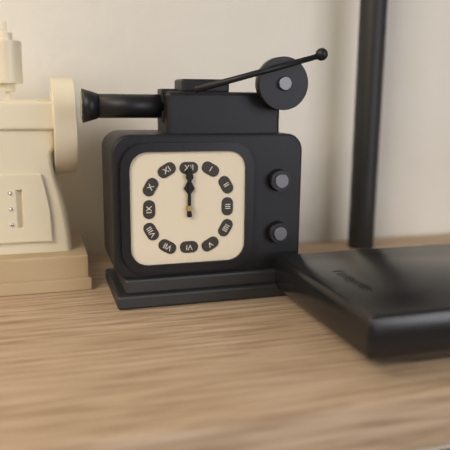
12:00
